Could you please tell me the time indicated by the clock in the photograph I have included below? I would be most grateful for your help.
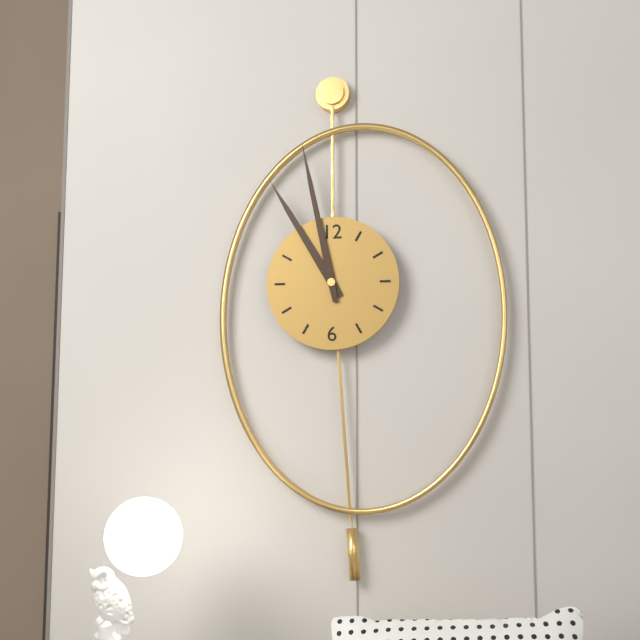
10:58
